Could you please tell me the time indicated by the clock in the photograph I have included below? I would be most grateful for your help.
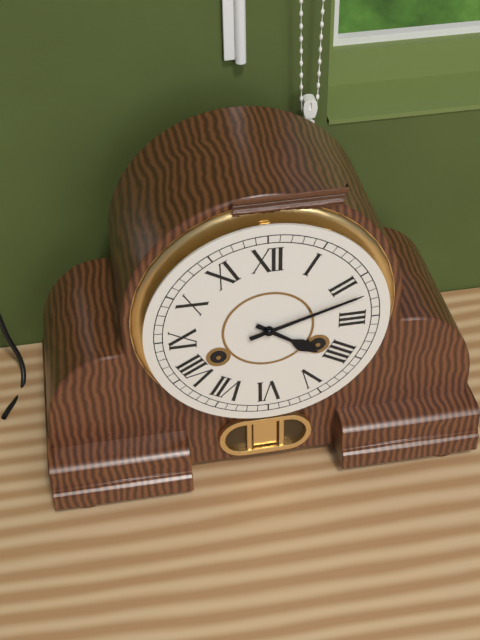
4:12
